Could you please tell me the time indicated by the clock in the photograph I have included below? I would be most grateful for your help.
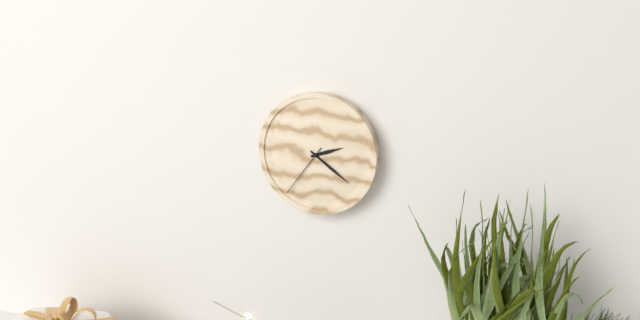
2:21:36
